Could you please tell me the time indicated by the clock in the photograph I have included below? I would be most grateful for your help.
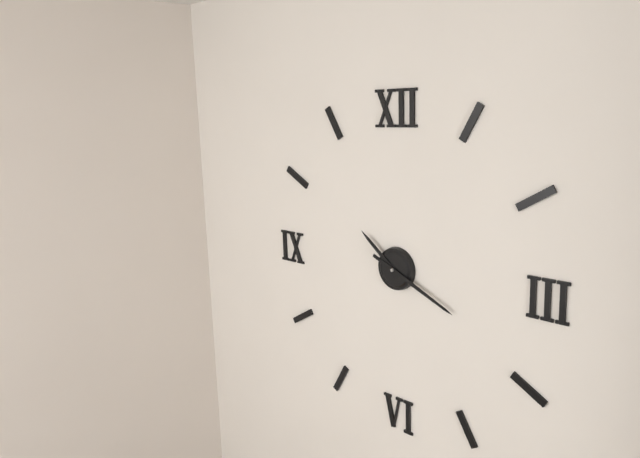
10:19
